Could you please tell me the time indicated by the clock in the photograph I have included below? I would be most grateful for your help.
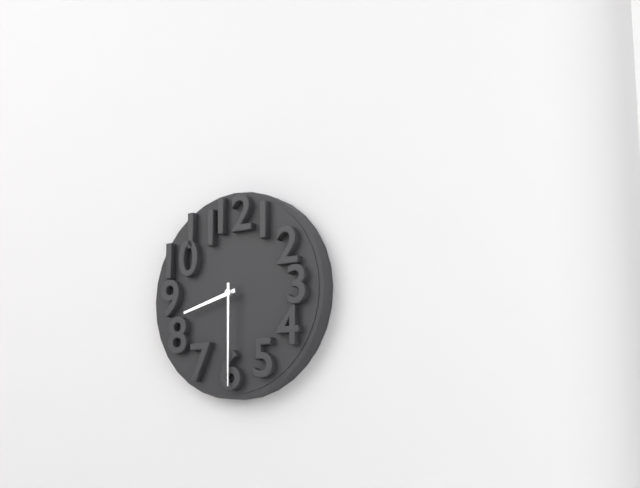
8:30
